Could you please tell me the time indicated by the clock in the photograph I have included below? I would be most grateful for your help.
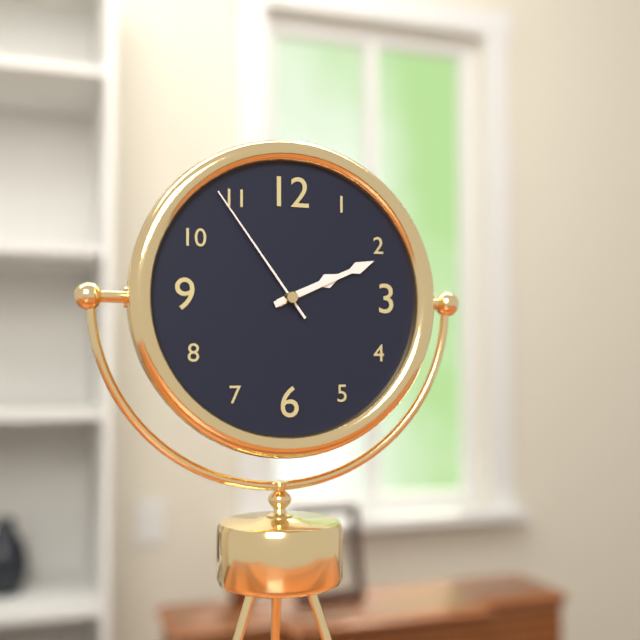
2:11:54
